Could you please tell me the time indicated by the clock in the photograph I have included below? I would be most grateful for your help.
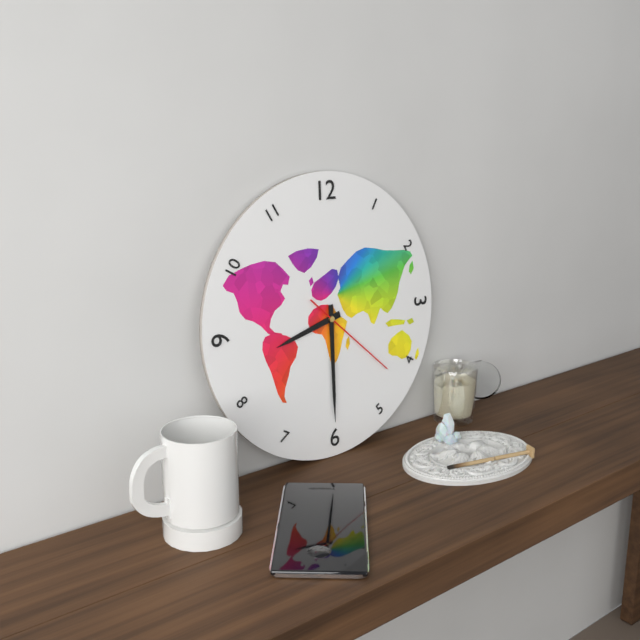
8:30:22
